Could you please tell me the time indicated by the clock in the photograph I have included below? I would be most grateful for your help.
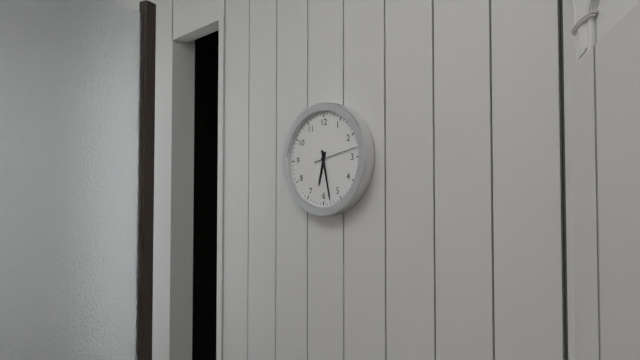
6:28
